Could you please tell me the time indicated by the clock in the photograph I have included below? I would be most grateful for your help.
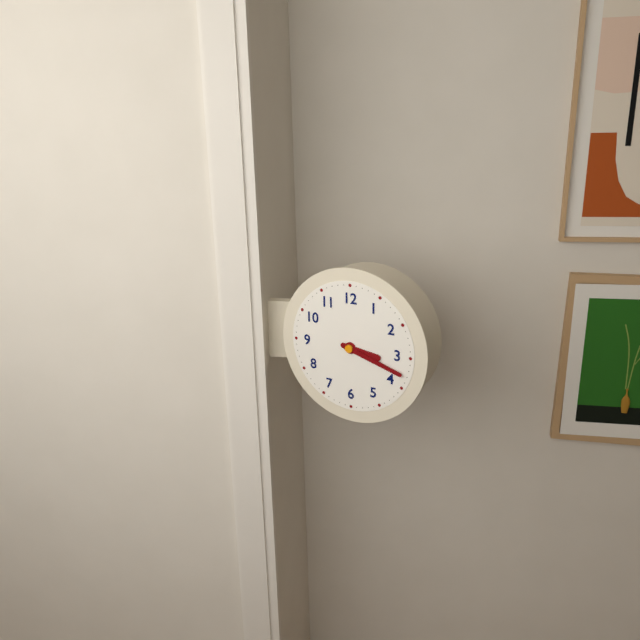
3:18
